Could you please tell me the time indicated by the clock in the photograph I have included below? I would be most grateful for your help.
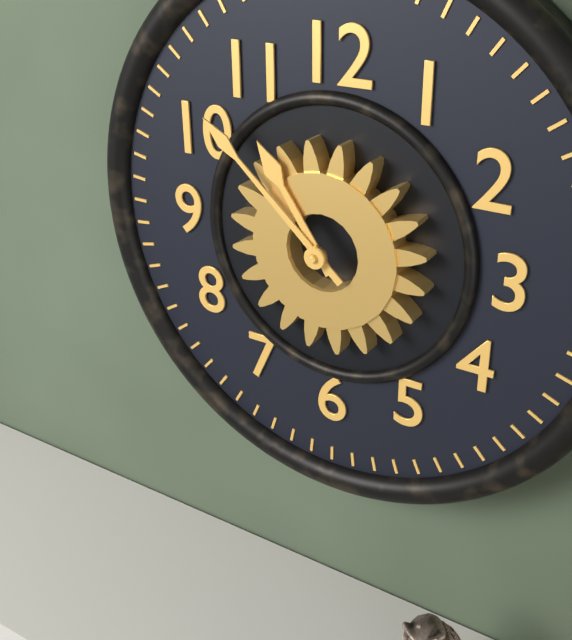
10:52
